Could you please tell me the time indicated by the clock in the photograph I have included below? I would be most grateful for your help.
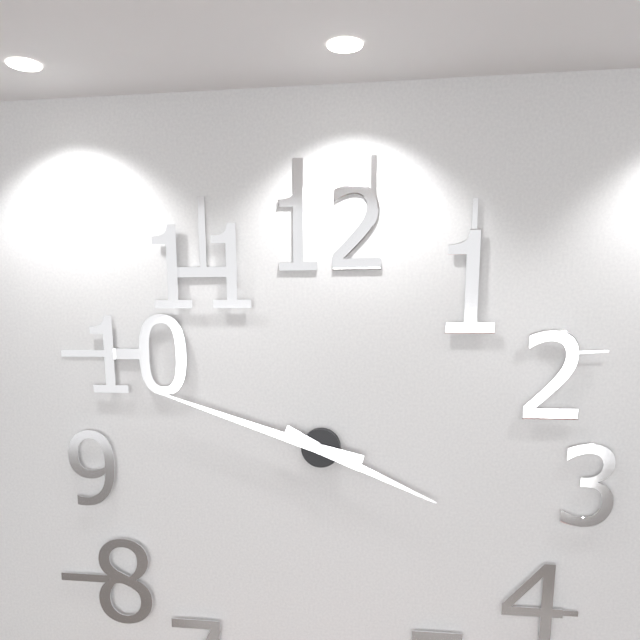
3:48
